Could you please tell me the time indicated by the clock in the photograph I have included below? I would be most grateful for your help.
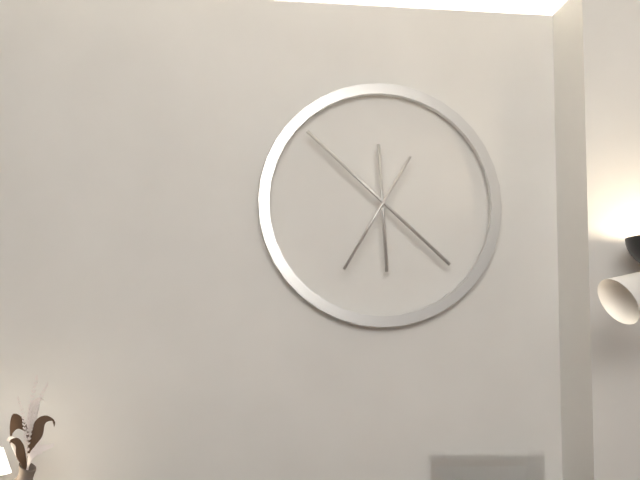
5:52:35
